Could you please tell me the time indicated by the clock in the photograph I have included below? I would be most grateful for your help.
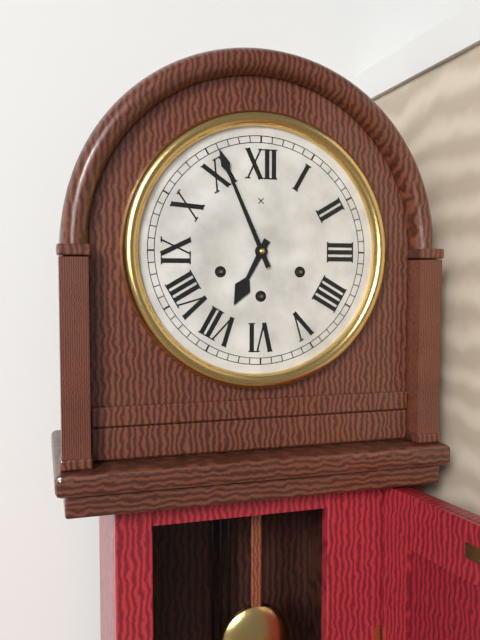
6:56
